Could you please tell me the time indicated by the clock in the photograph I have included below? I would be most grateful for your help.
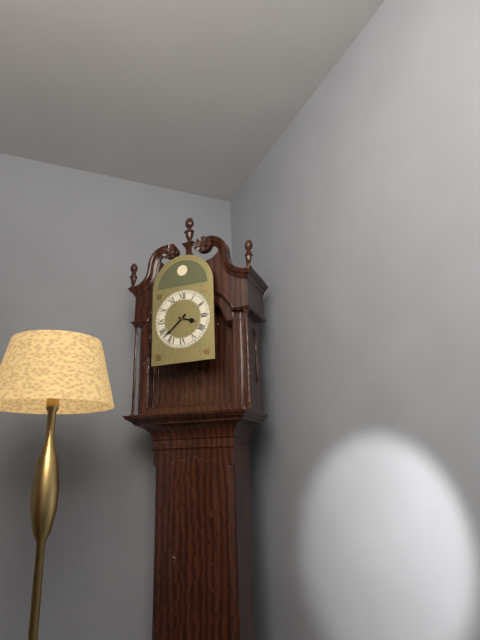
3:38
